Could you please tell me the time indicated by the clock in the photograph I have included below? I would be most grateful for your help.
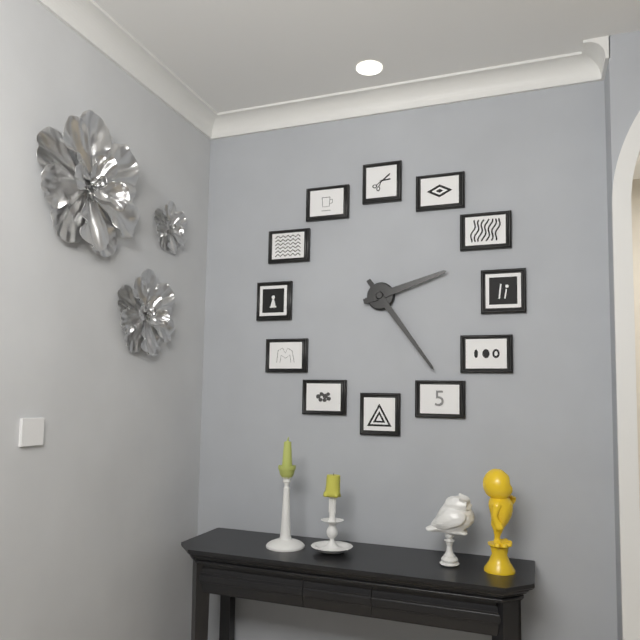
2:24
